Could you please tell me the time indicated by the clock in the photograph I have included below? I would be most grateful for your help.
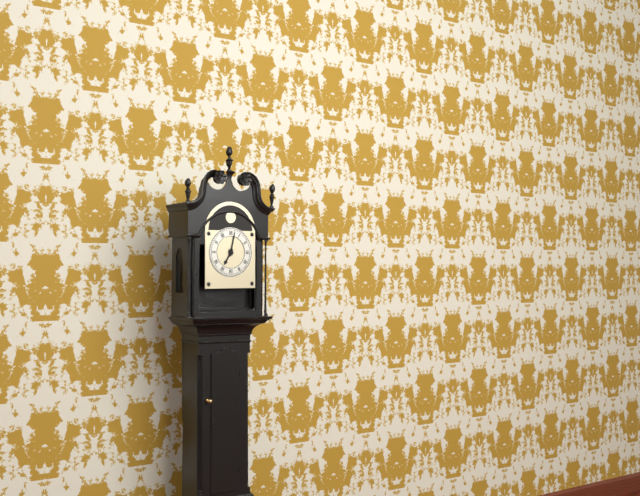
7:02
